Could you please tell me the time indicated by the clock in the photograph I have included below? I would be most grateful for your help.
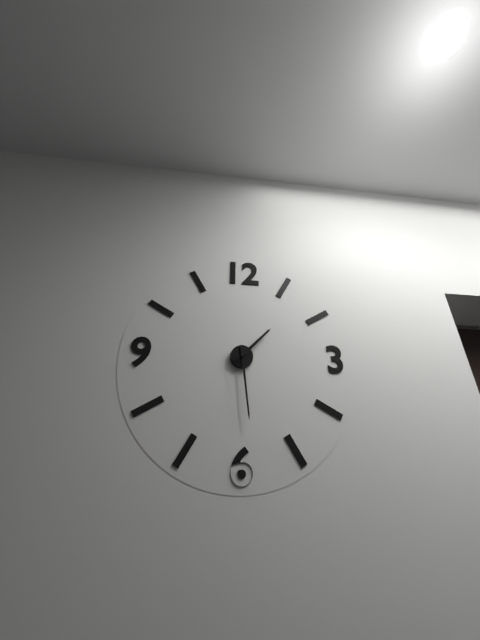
1:29
